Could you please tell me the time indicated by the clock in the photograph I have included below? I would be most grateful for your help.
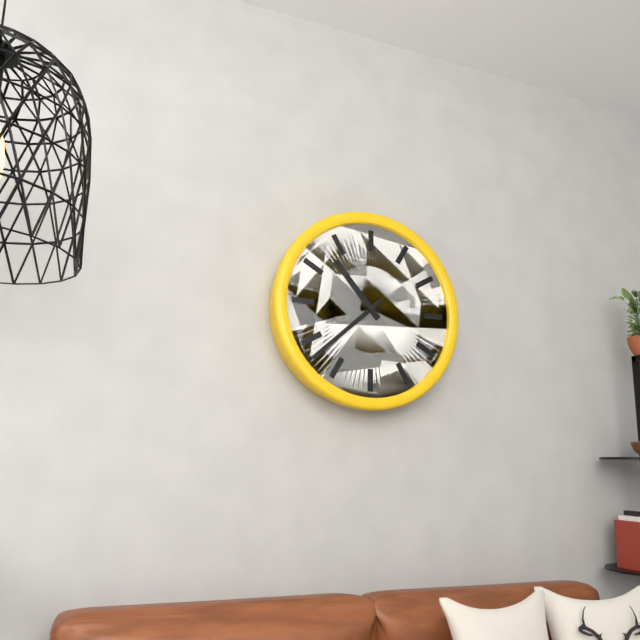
10:38
